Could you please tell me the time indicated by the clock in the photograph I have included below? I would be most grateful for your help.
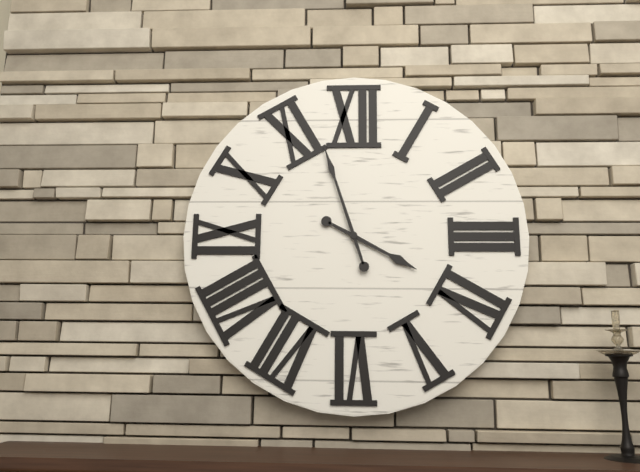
3:57
